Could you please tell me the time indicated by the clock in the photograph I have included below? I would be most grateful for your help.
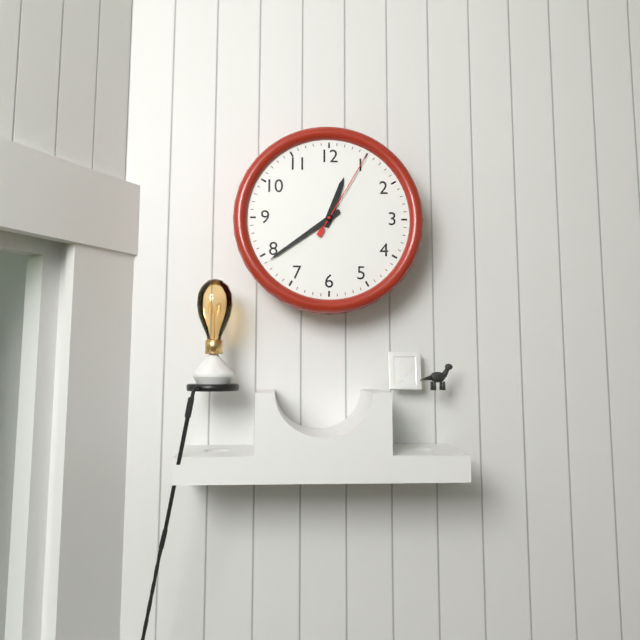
12:39:05
